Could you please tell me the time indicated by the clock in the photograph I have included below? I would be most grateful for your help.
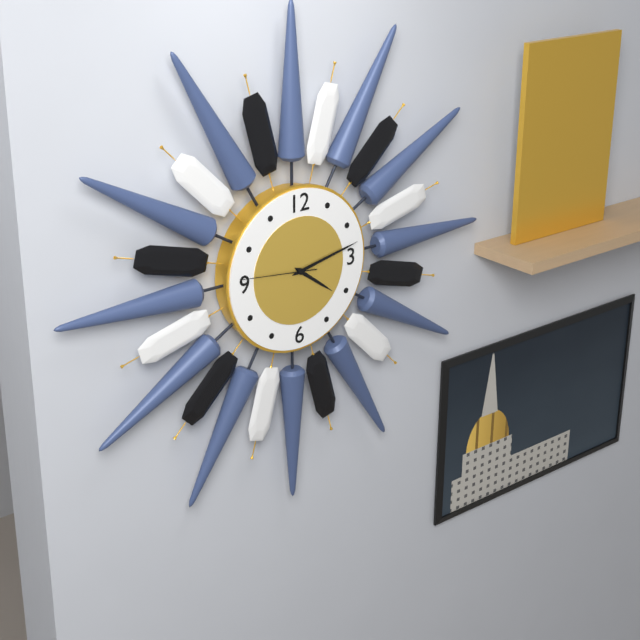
4:13:46
